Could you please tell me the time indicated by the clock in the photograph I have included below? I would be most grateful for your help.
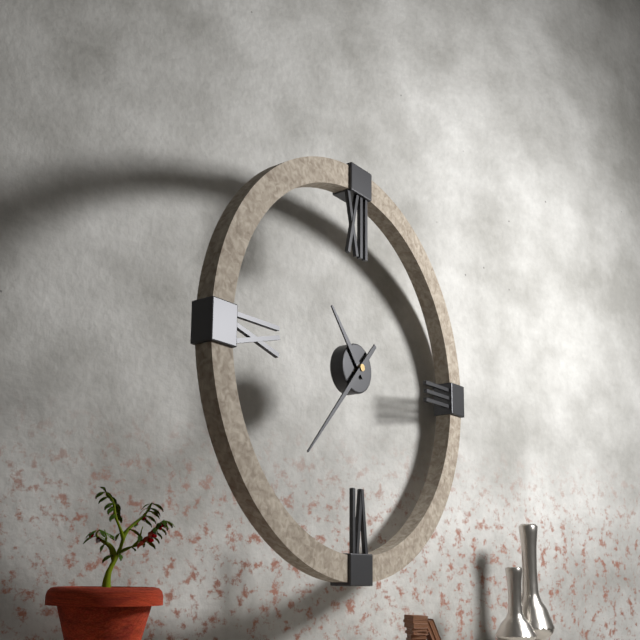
10:37
